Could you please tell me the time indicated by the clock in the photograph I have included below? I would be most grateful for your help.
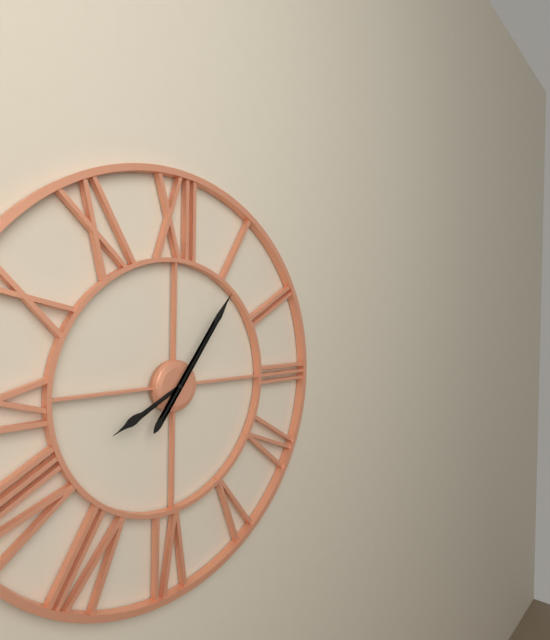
8:06
